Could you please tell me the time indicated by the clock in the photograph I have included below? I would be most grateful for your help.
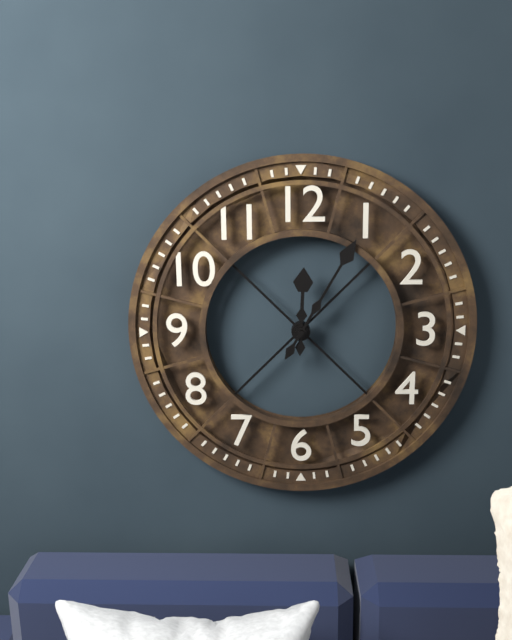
12:05
